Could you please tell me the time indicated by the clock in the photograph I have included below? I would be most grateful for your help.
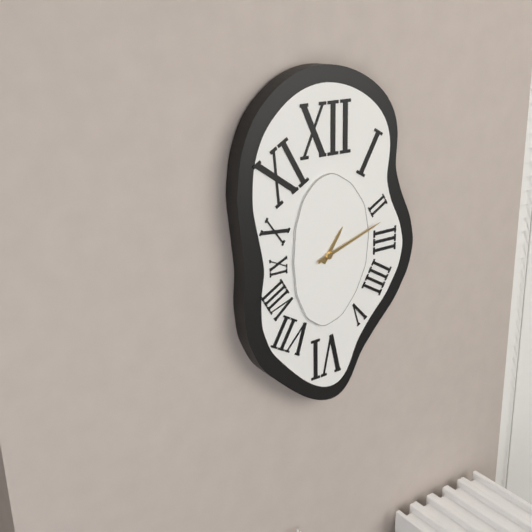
1:12
